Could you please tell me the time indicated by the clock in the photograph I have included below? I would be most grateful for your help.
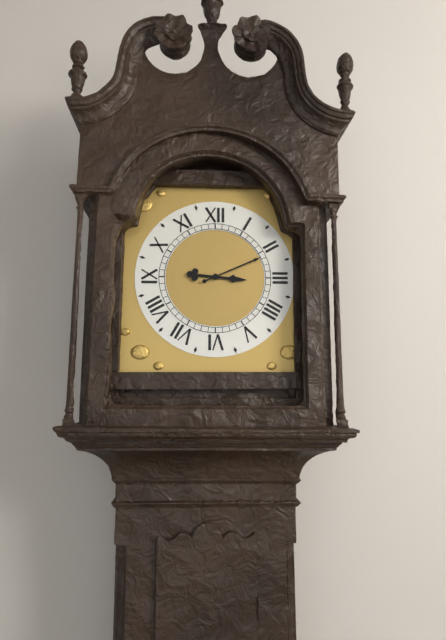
3:11
